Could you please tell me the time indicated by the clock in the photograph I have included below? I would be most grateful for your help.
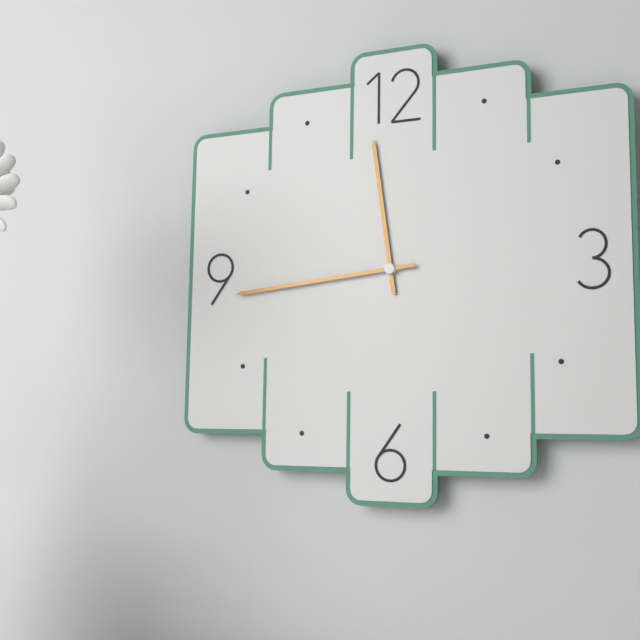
11:44
